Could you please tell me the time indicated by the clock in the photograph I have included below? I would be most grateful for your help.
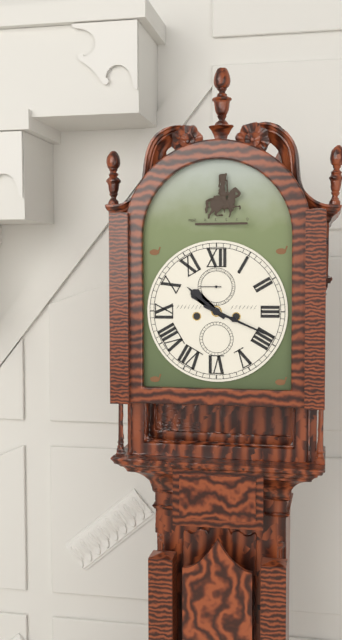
10:19
